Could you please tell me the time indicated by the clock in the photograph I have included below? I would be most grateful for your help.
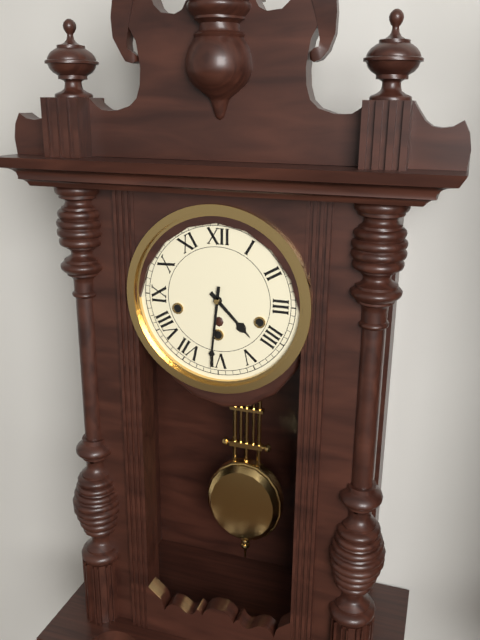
4:31
